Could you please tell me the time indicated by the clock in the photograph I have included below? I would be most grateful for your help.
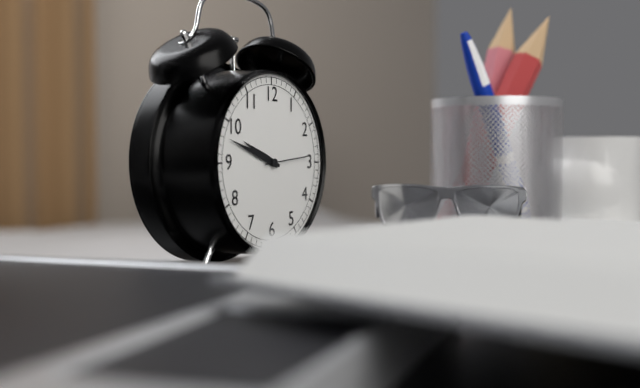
9:48
